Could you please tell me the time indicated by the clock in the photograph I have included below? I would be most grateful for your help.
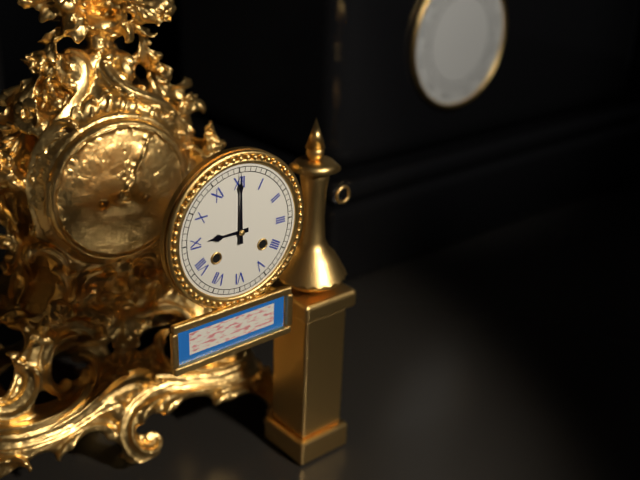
9:00
